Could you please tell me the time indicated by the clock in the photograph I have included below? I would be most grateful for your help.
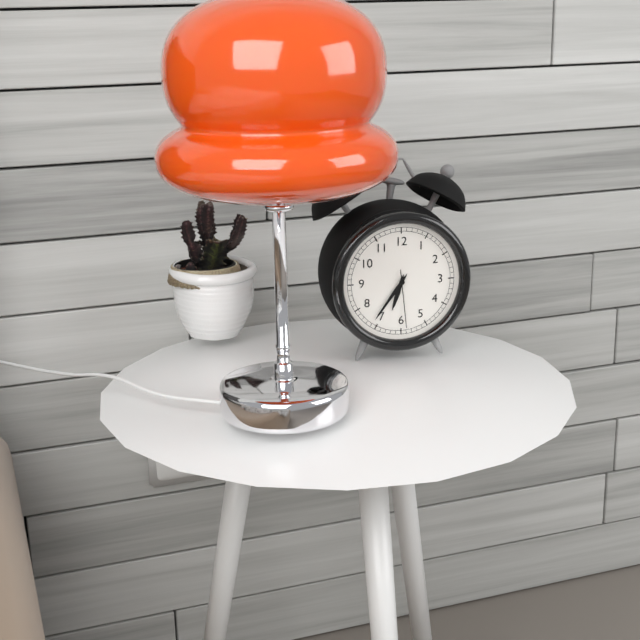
6:36:29
